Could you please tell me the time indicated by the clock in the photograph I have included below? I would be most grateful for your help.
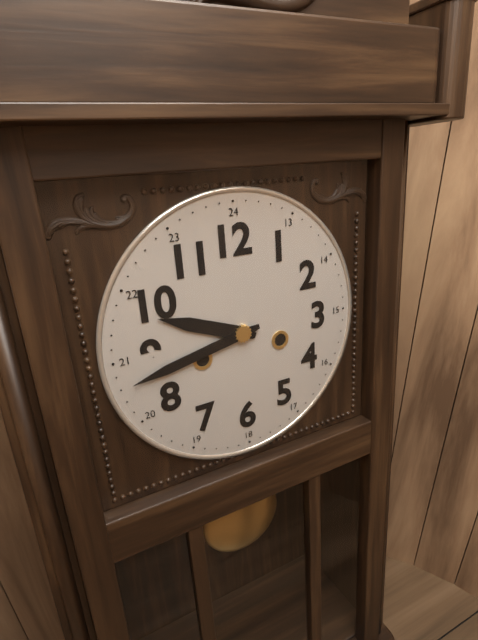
9:43
